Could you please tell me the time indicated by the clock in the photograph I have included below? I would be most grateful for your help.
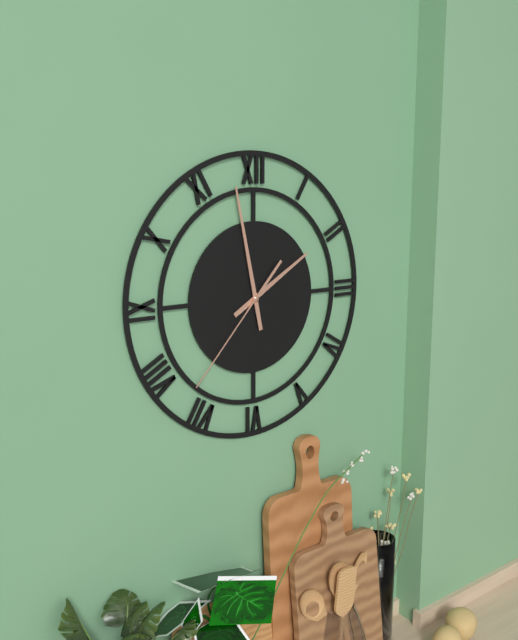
1:58:37
